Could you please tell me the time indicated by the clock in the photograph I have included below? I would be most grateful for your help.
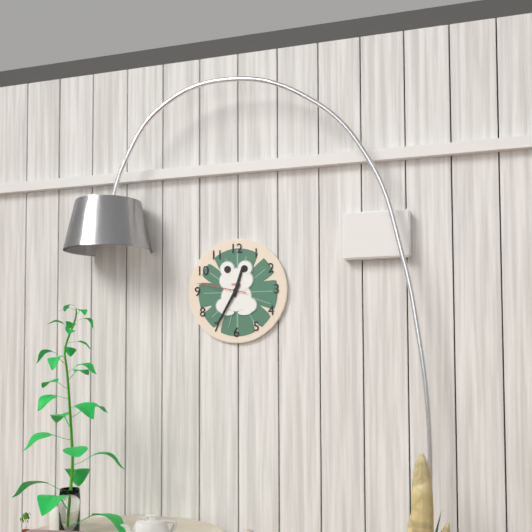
12:35:47
